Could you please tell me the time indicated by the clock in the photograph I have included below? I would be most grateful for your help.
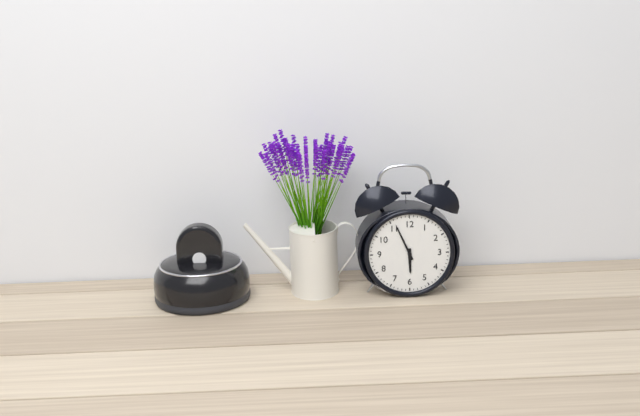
5:56
